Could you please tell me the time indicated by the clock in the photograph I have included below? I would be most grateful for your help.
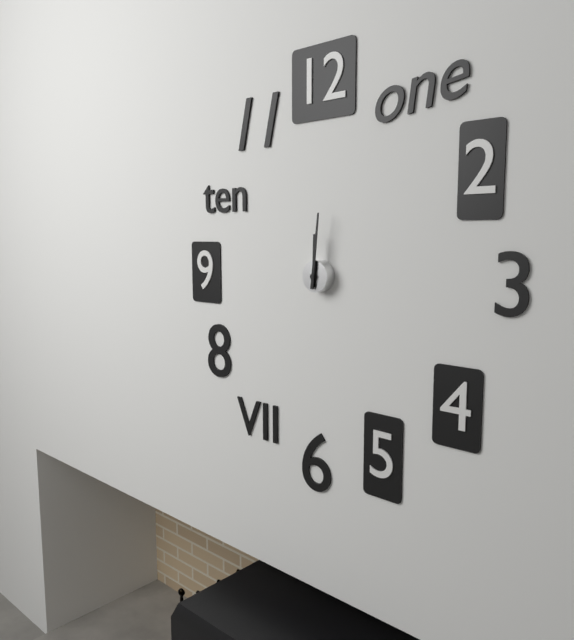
12:01
